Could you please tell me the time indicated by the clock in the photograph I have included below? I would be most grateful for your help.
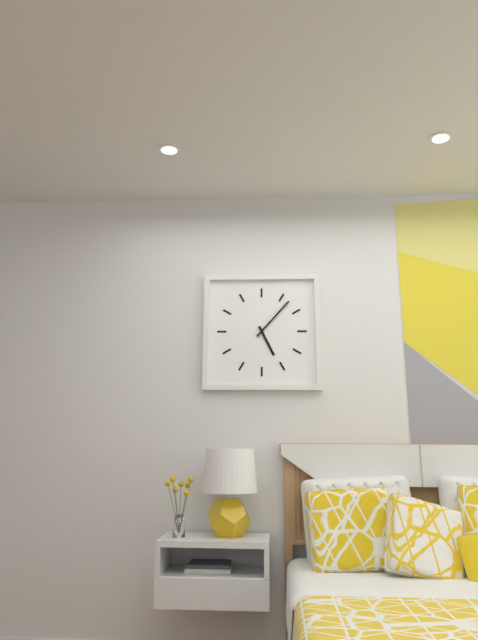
5:07
